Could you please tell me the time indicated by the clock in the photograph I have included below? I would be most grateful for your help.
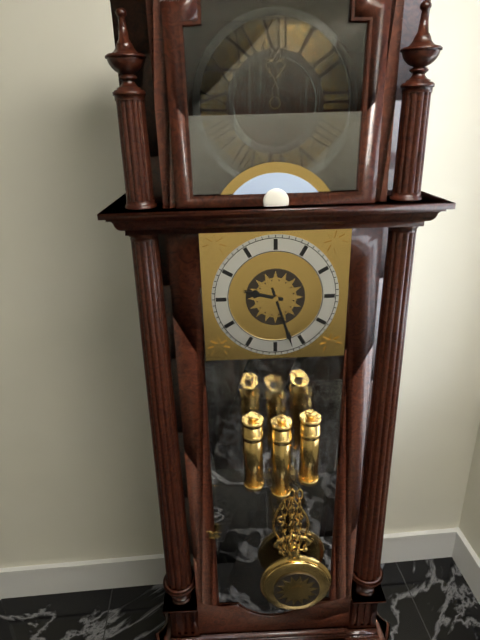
9:27
